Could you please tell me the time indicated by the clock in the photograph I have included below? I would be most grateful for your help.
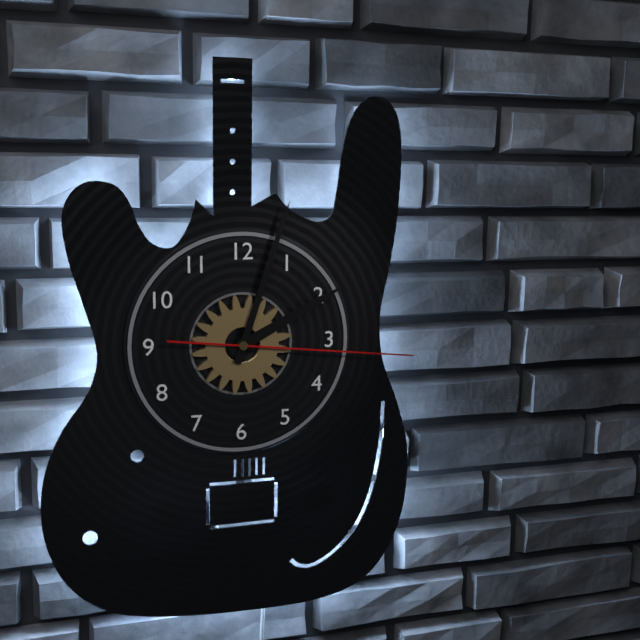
2:03:16
